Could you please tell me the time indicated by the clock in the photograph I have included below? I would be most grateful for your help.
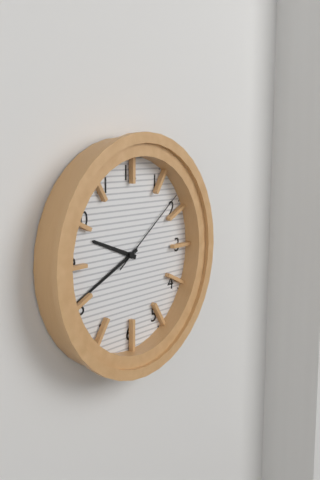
9:41:09
